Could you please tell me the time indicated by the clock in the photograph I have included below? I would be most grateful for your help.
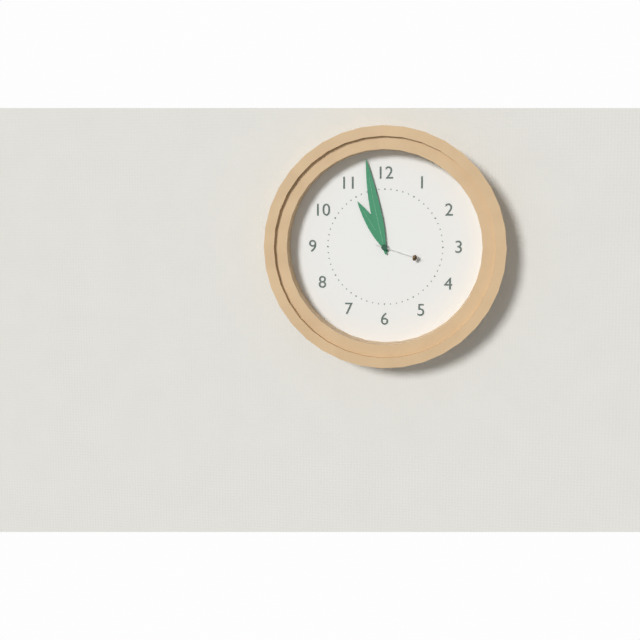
10:58
